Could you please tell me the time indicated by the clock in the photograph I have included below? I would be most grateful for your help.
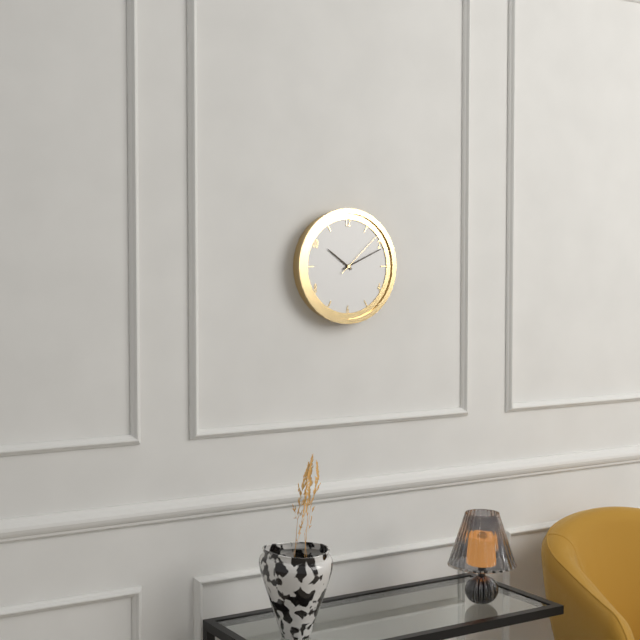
10:11:08
